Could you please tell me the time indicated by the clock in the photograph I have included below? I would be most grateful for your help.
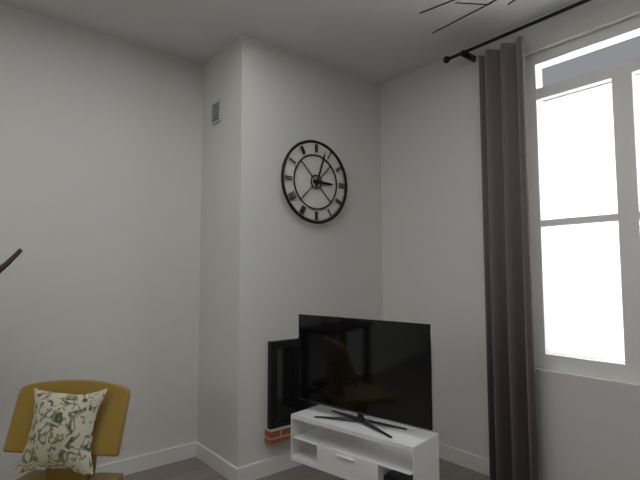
3:03
